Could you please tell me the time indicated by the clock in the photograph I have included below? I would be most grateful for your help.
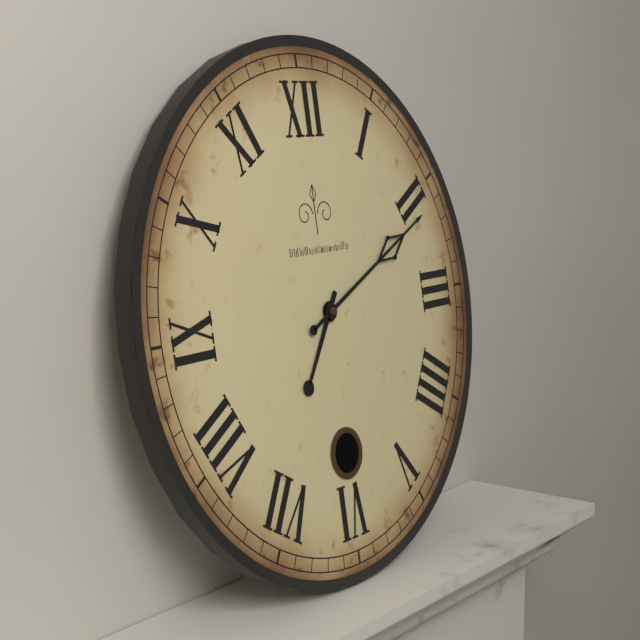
7:11
